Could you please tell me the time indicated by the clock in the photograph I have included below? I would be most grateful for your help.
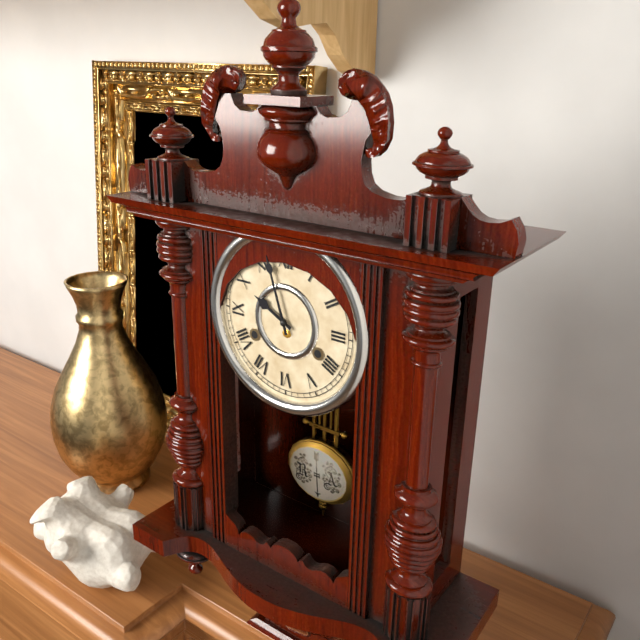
9:57
